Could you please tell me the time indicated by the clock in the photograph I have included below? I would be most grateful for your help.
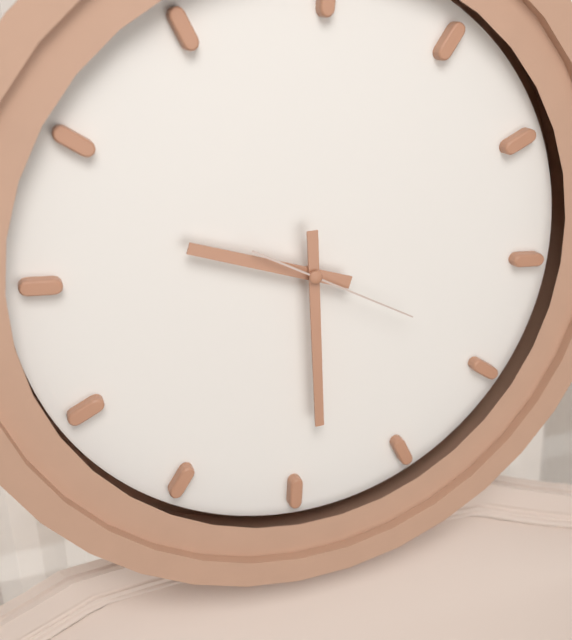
9:29:19
